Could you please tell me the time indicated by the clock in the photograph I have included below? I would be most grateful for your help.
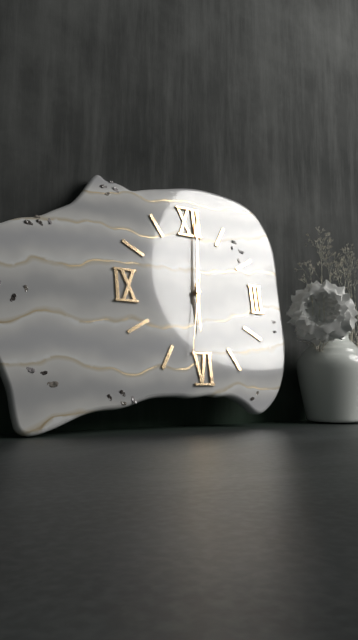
6:01:32
